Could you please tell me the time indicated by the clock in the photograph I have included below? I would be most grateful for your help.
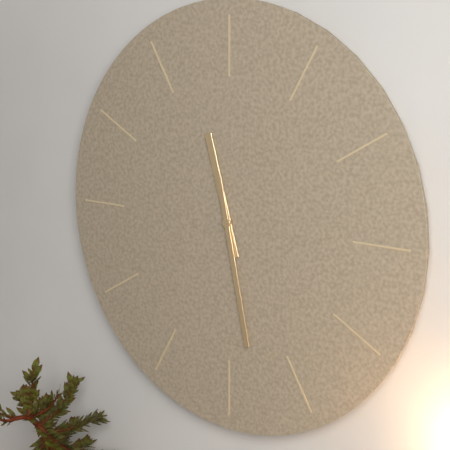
11:28
